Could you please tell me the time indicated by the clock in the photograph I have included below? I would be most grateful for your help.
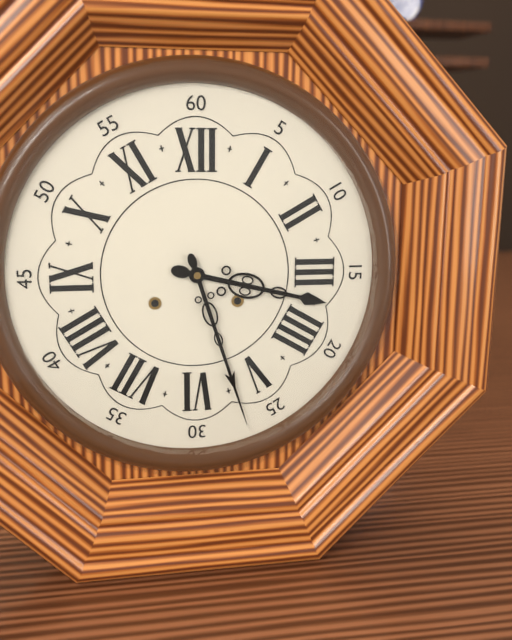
3:27
